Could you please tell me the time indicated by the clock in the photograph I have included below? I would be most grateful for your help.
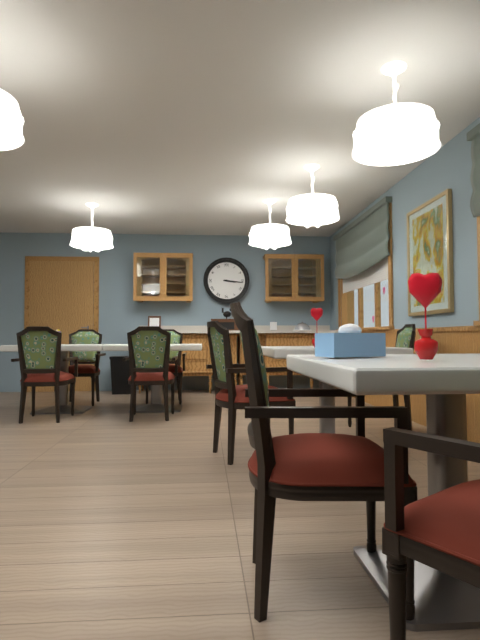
3:16
